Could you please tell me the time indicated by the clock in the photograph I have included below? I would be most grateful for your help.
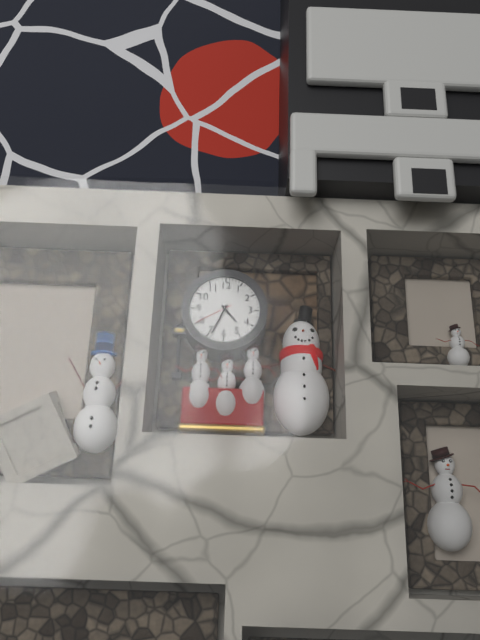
4:34
